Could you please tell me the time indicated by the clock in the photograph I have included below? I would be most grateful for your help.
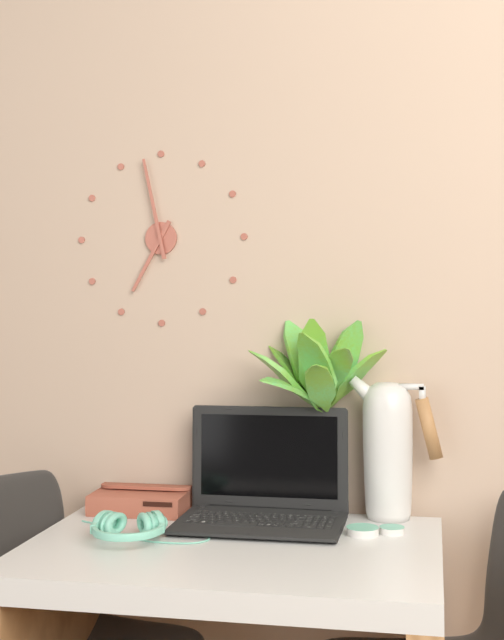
6:58
